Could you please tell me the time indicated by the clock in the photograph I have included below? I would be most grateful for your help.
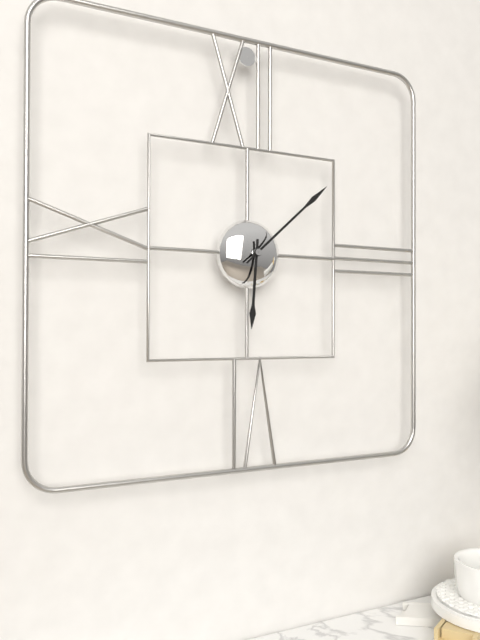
6:08
